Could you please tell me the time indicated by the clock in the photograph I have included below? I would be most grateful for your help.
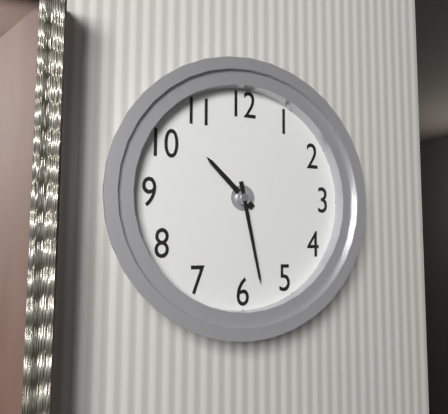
10:28
